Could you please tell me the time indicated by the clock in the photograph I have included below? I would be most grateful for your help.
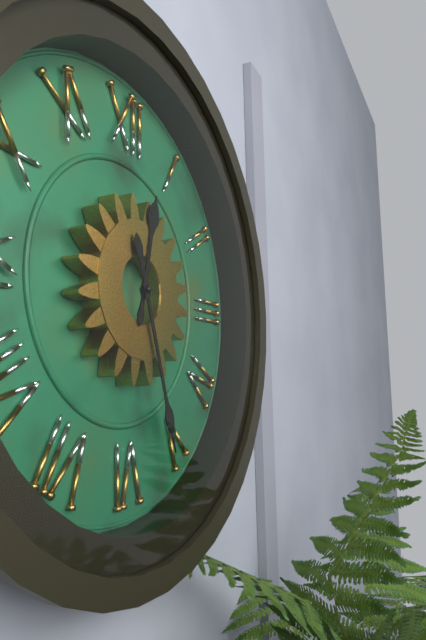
12:27
